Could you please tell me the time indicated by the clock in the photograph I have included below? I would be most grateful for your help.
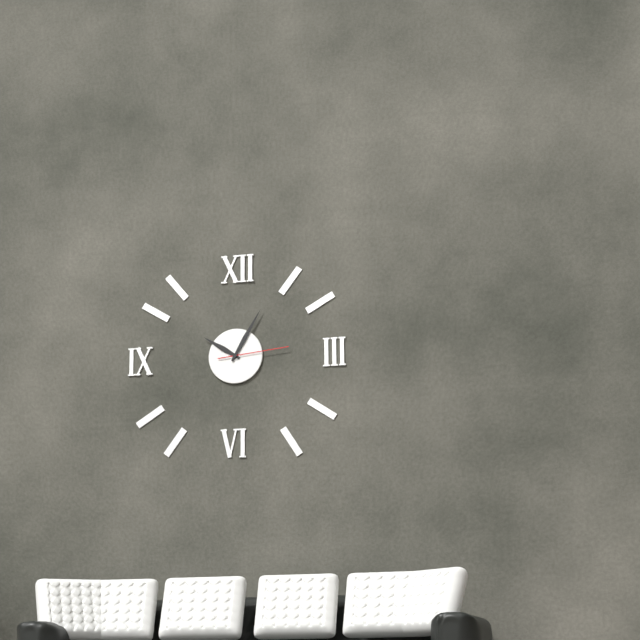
10:05:14
